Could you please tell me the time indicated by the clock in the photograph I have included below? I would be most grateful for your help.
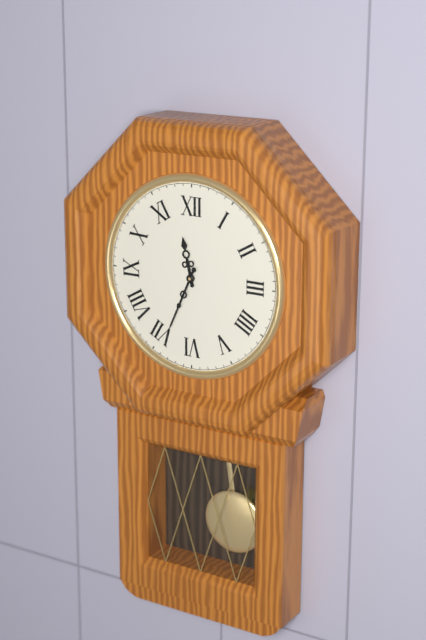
11:34
